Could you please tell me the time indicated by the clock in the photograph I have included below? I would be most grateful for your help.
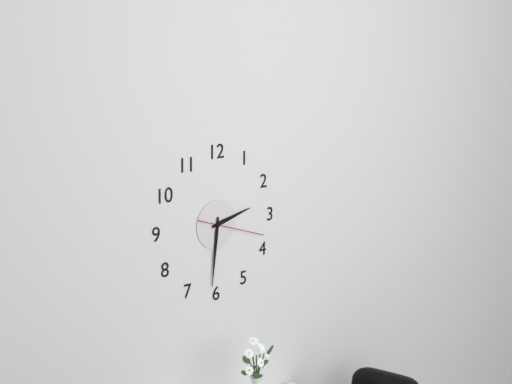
2:31:18
